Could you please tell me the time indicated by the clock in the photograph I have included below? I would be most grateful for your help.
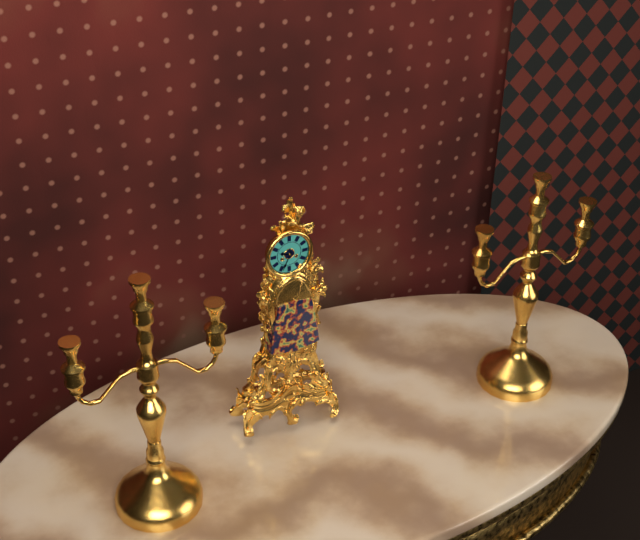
9:34
